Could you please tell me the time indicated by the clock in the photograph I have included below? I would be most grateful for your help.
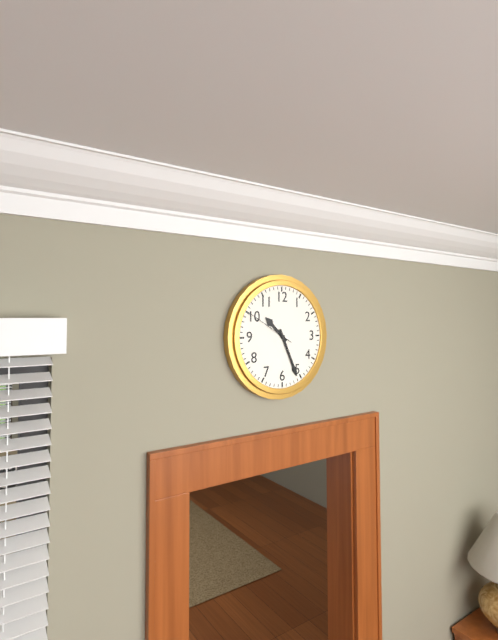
10:26:50
